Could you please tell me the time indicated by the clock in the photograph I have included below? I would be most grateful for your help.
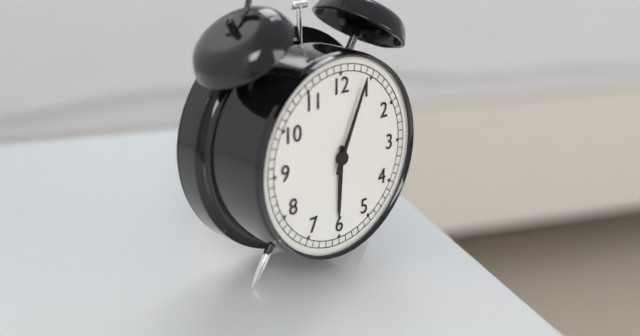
6:04
